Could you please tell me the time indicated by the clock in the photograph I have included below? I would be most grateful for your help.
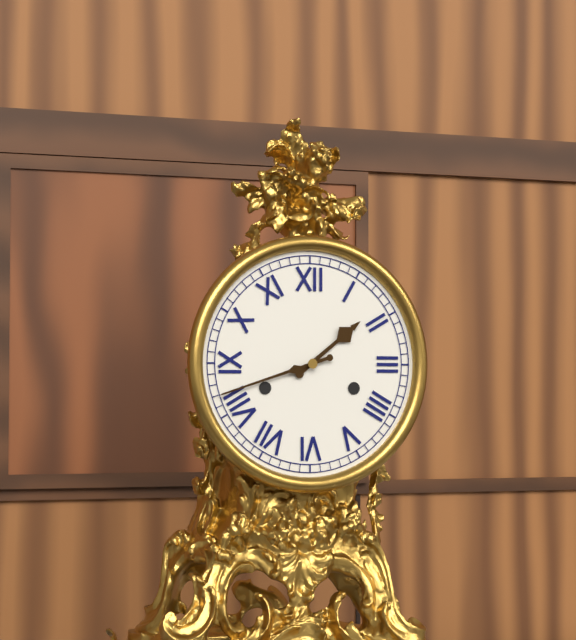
1:42
